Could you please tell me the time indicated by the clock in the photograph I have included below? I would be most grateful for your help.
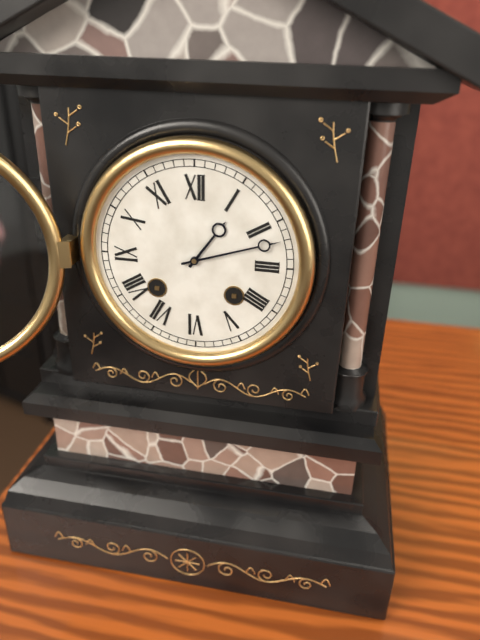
1:12
